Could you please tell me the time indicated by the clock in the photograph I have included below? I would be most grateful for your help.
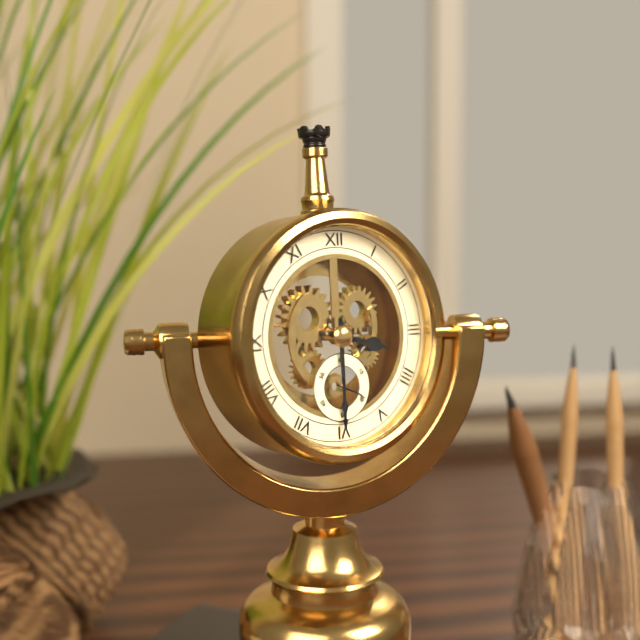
3:30
